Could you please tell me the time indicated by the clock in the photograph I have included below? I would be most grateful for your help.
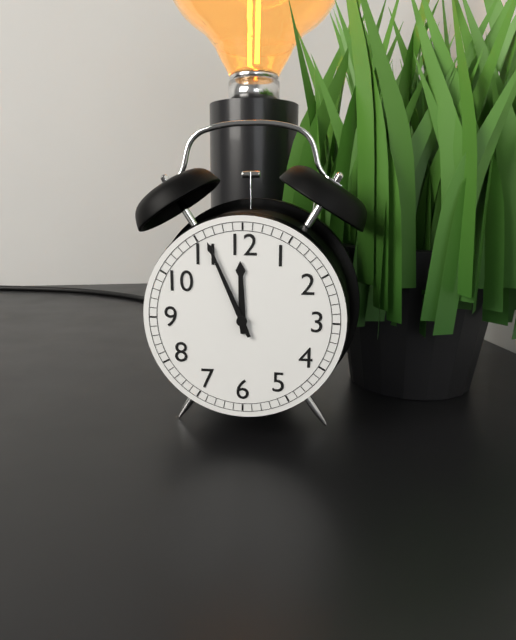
11:56
